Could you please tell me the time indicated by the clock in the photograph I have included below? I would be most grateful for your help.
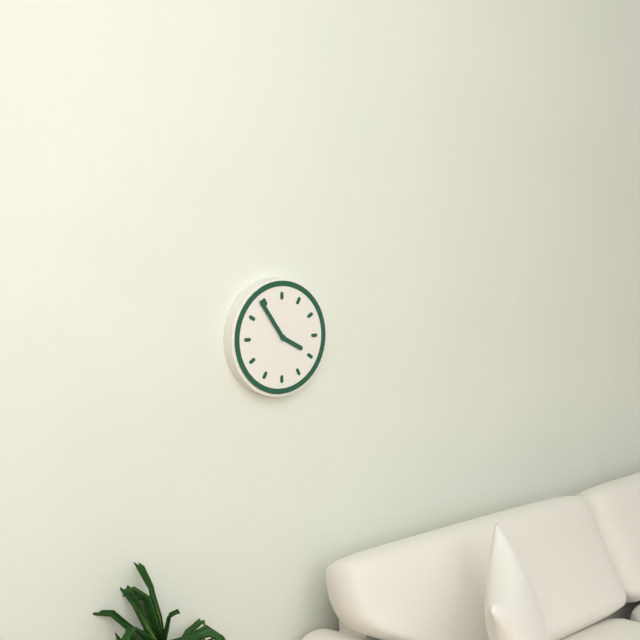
3:54
